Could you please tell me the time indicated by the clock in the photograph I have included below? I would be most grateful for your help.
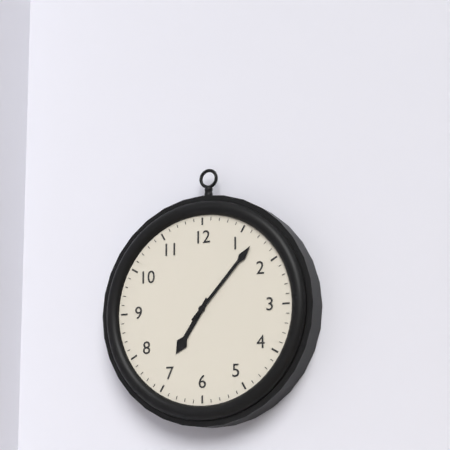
7:07
